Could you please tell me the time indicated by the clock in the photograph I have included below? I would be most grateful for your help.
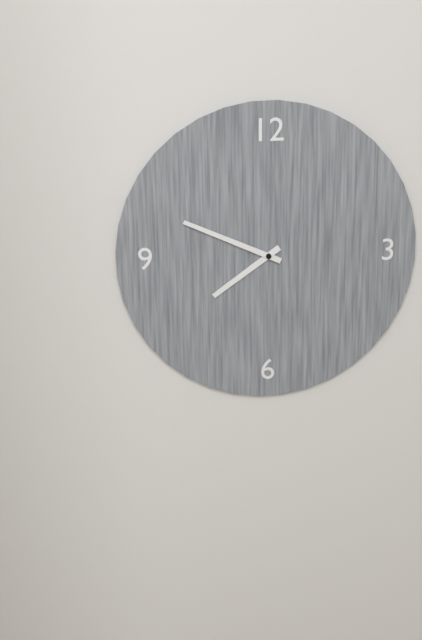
7:49
